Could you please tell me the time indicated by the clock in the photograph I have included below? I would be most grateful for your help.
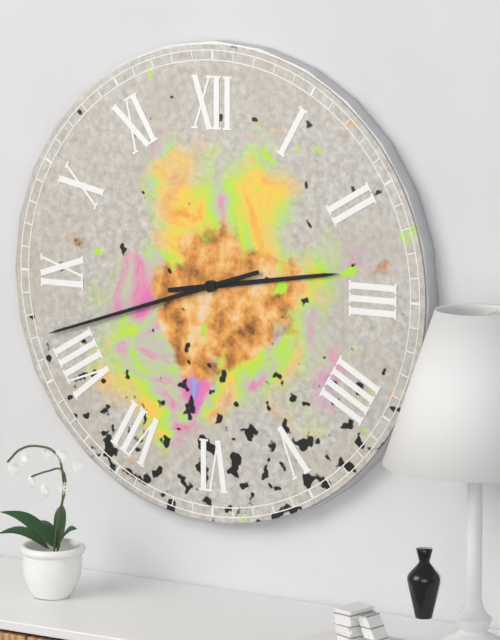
2:42
